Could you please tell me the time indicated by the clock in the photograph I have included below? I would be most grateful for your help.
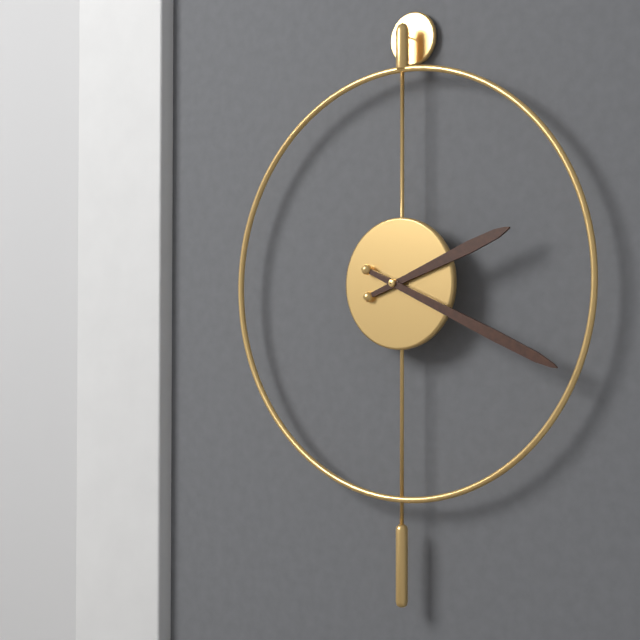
2:19
